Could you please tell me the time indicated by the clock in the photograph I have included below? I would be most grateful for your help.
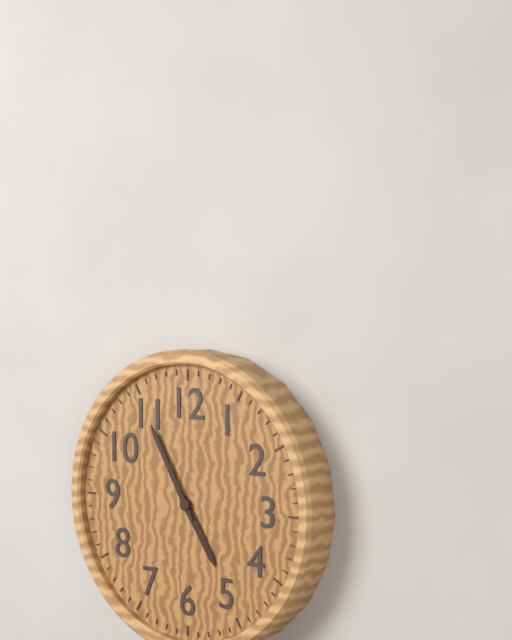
4:55
